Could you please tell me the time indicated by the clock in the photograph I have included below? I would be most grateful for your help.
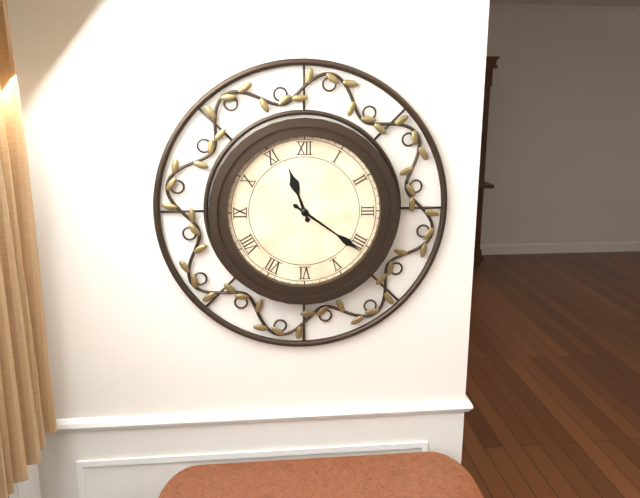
11:21
